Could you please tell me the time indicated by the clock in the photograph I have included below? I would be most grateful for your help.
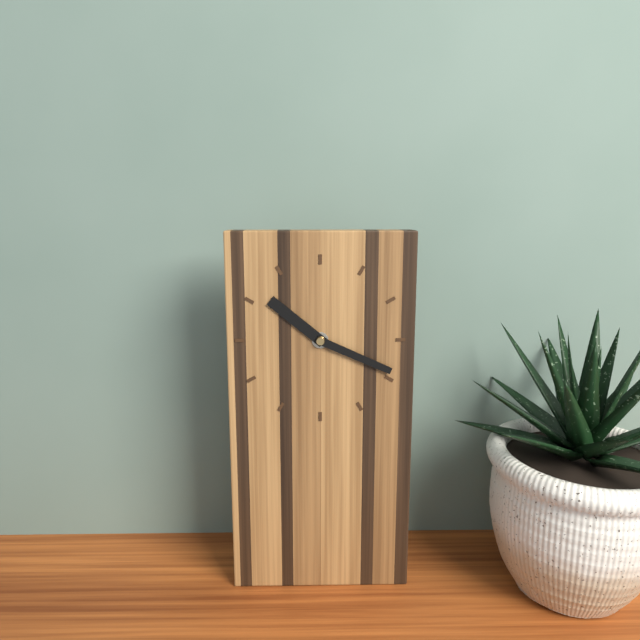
10:19
